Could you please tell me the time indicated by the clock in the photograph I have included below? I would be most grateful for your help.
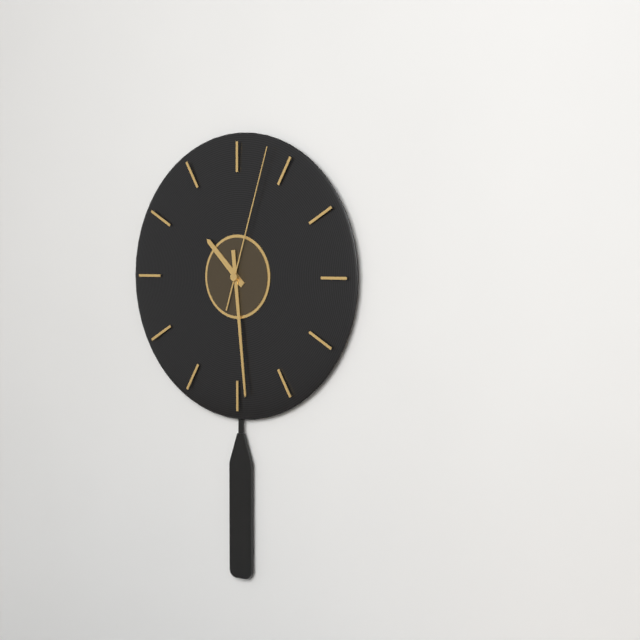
10:29:03
